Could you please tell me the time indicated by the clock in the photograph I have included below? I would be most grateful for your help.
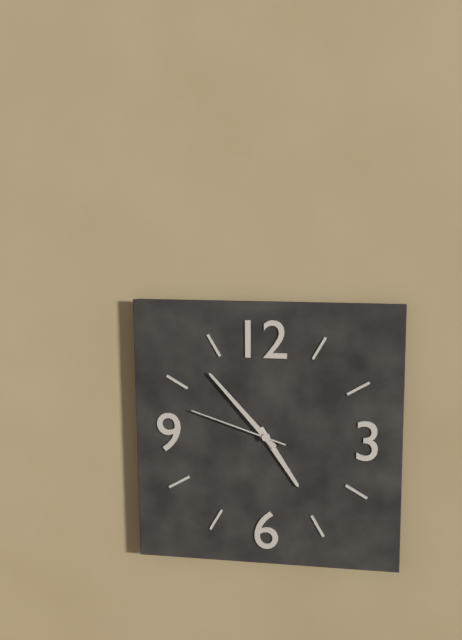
4:53:48
